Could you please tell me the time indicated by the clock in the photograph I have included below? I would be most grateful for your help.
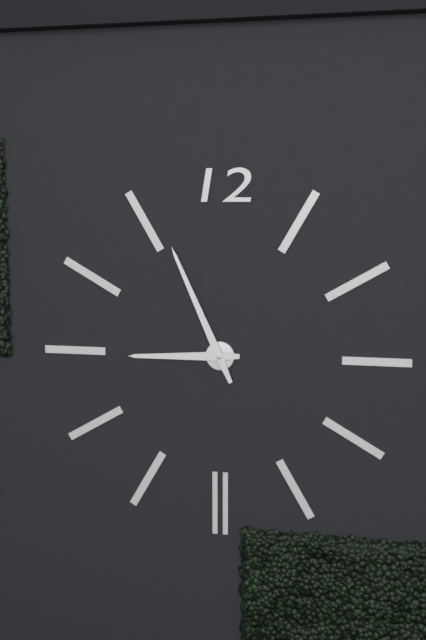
8:56
